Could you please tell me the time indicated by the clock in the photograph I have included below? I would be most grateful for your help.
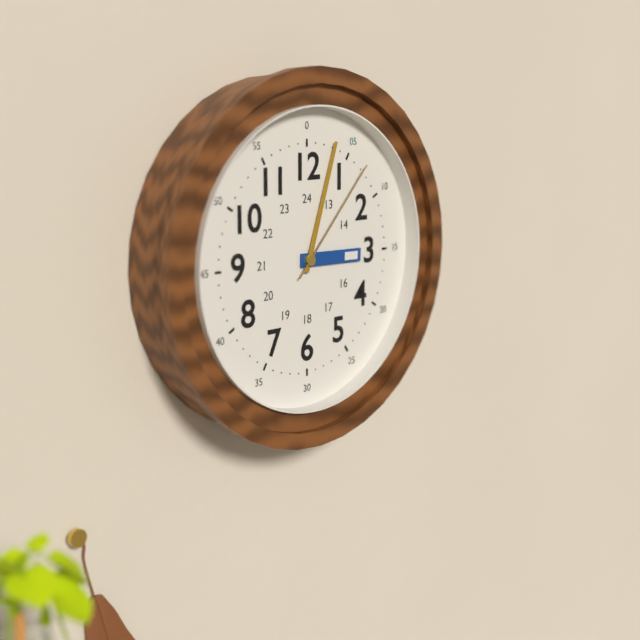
3:03:07
